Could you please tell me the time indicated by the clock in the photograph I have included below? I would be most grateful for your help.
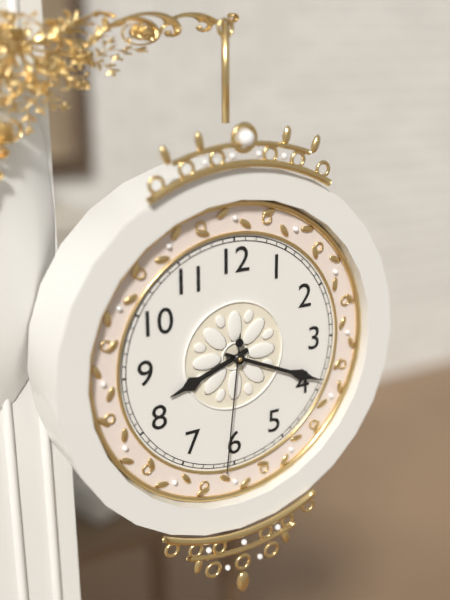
8:19:31
